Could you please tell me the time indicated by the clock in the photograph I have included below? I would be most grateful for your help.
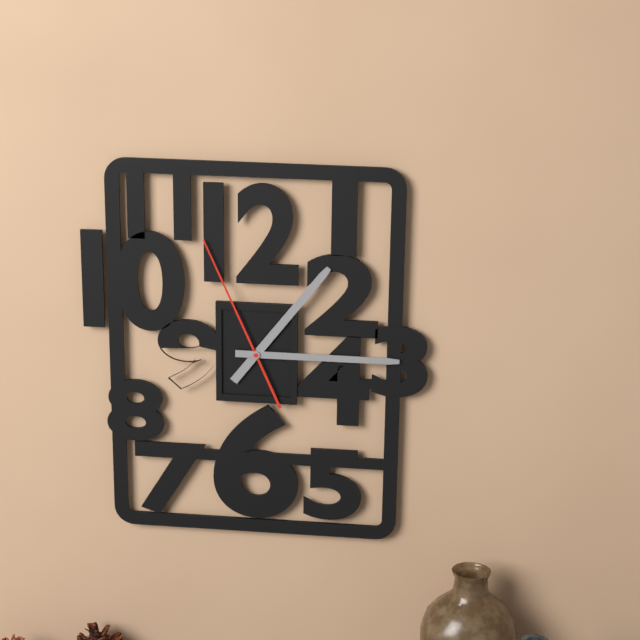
1:15:56
